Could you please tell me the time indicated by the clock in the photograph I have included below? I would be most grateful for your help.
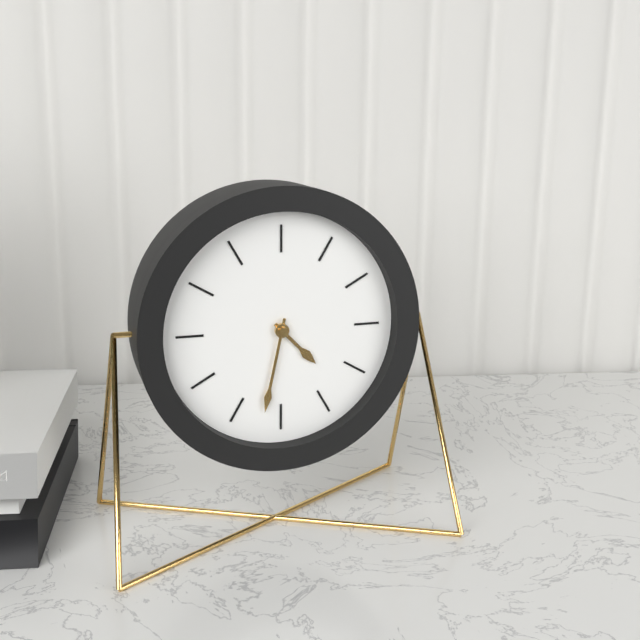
4:32
